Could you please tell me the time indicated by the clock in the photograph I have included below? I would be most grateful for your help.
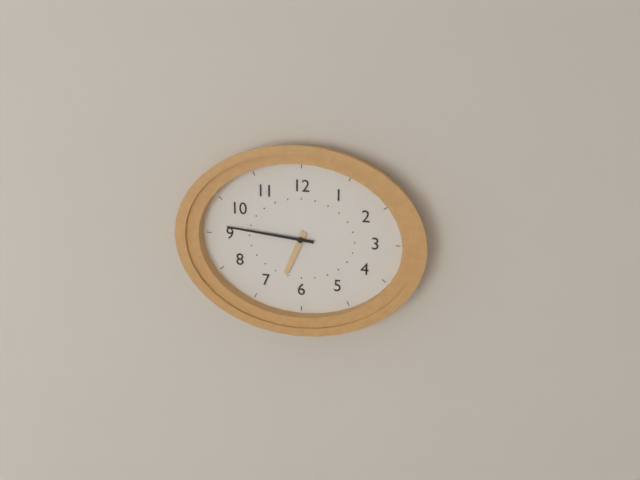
6:46
